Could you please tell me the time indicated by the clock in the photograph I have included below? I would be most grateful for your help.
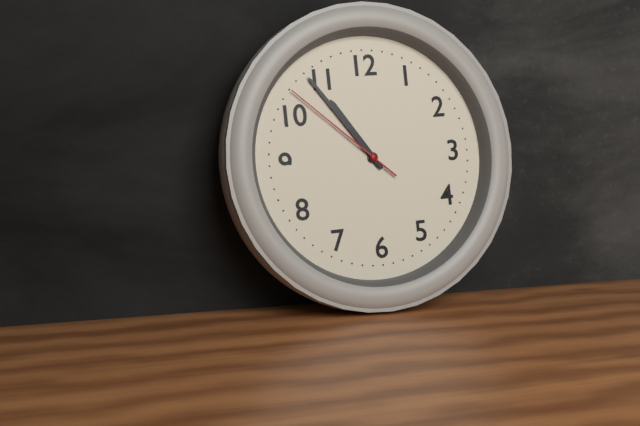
10:54:52
